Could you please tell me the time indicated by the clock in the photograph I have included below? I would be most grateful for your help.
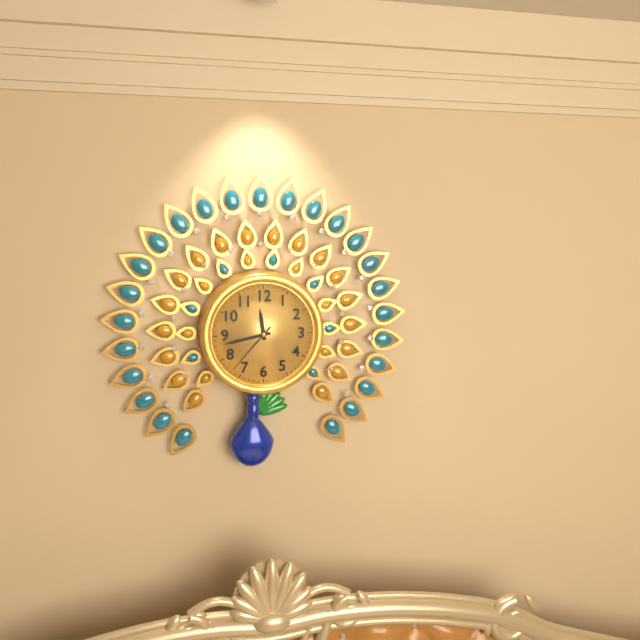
11:43:37
